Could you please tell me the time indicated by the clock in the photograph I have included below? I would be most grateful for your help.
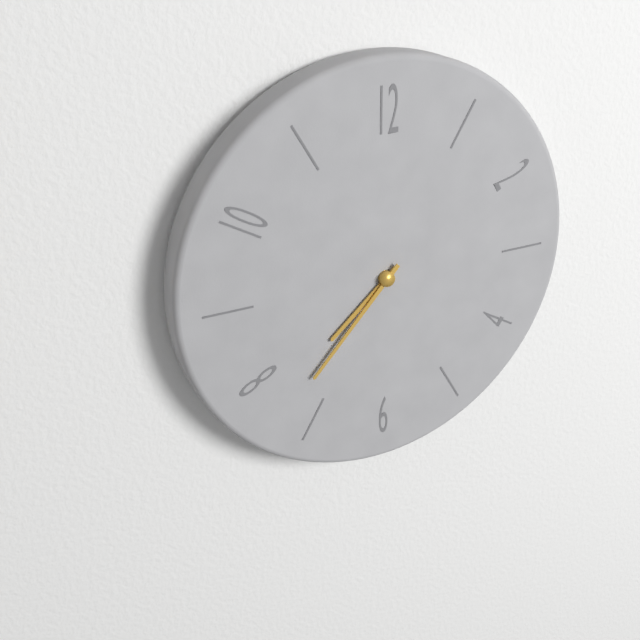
7:37
